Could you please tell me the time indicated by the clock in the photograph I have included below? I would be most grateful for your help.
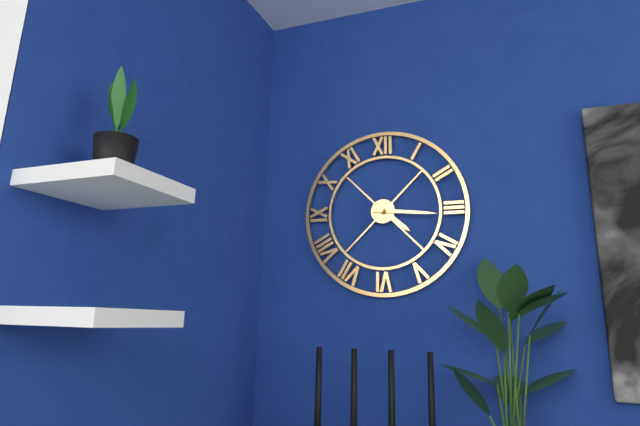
4:16
